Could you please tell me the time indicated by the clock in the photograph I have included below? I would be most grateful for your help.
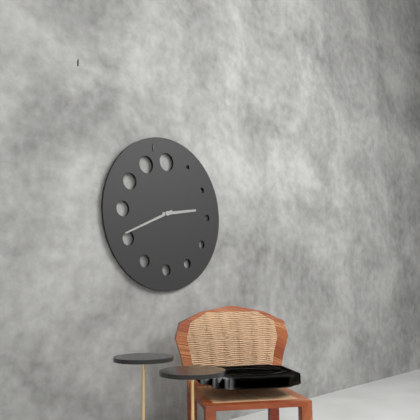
2:41
